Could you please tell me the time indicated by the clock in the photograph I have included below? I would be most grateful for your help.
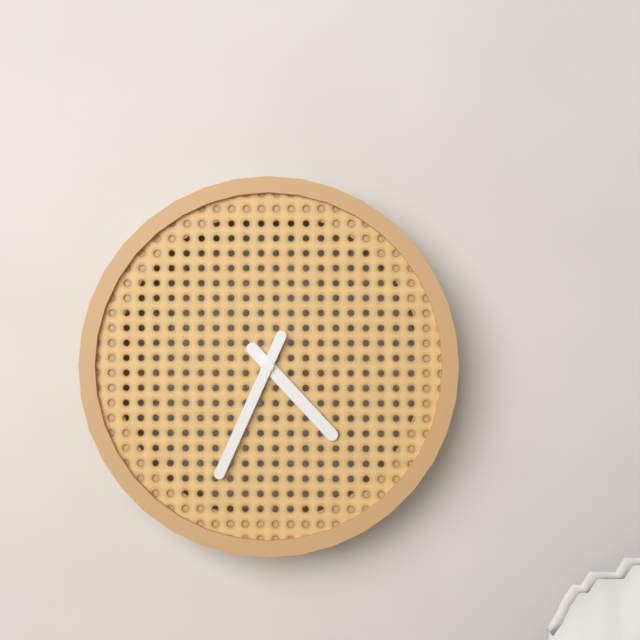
4:34
